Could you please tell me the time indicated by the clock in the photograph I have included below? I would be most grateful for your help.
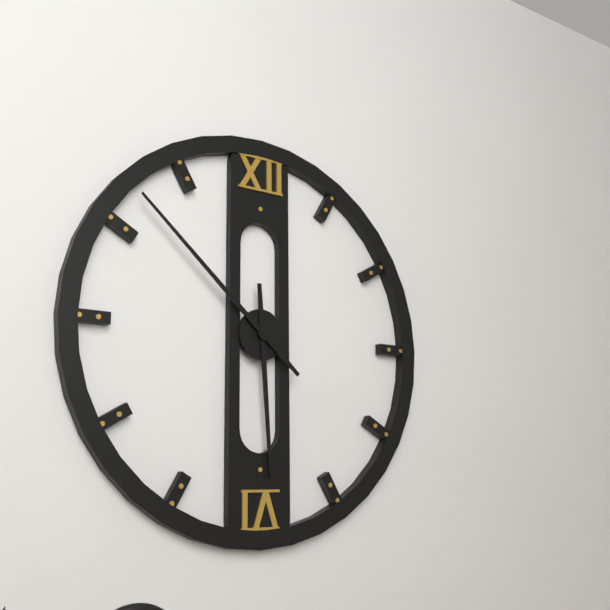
5:52
